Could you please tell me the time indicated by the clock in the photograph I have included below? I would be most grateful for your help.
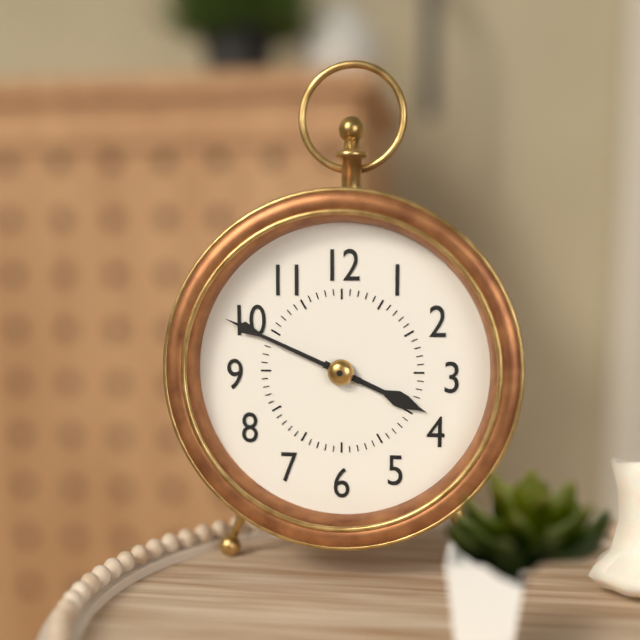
3:49
